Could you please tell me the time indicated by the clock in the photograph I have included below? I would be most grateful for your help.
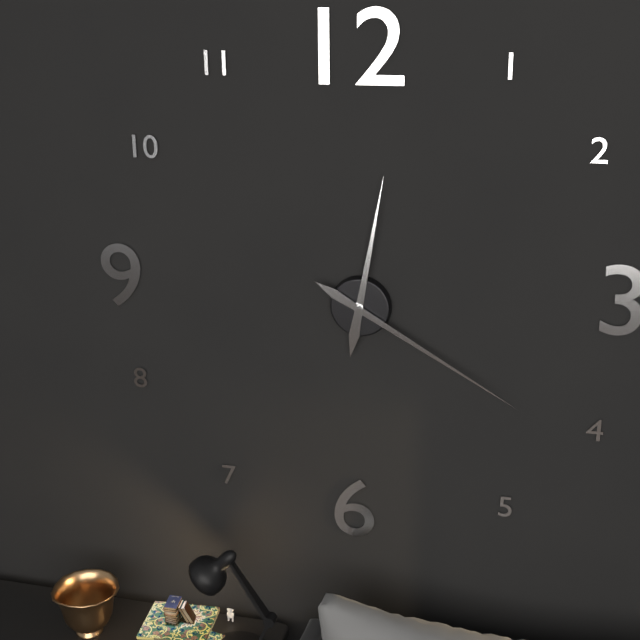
12:20
